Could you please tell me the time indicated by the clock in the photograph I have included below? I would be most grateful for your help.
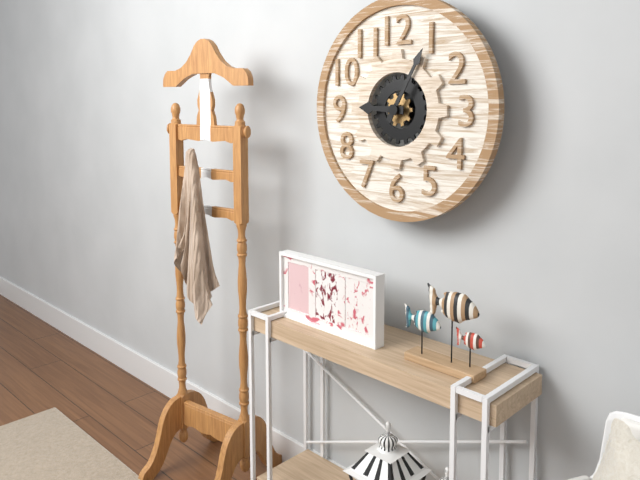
9:05
